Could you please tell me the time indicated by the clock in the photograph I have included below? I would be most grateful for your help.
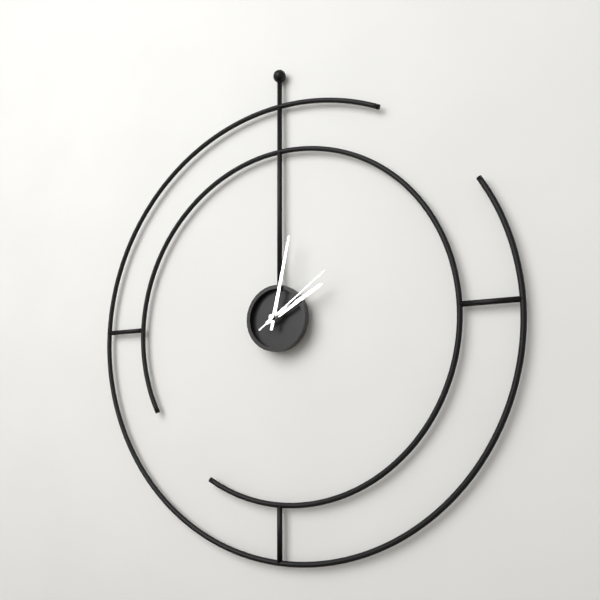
2:02:09
